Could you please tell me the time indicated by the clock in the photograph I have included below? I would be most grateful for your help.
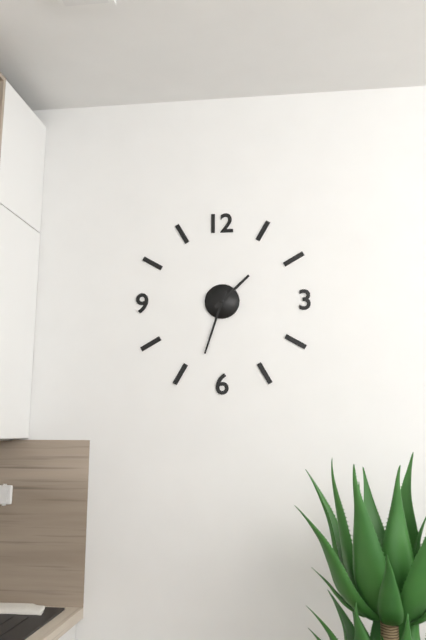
1:33
